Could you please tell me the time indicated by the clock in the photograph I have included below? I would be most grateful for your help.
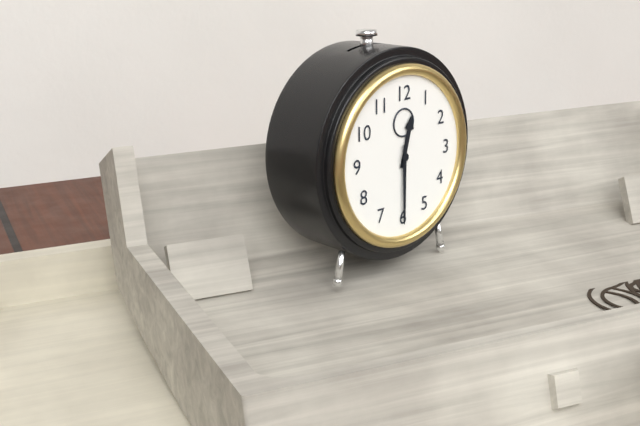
12:30
